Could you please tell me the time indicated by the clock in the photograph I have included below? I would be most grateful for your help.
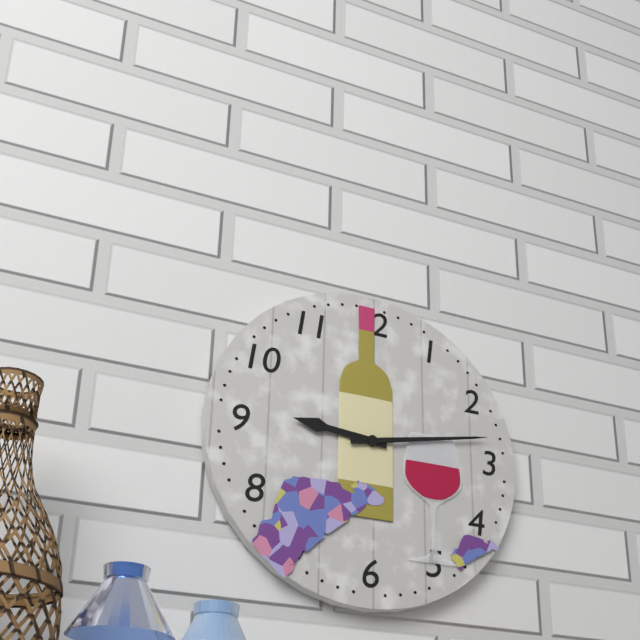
9:13
